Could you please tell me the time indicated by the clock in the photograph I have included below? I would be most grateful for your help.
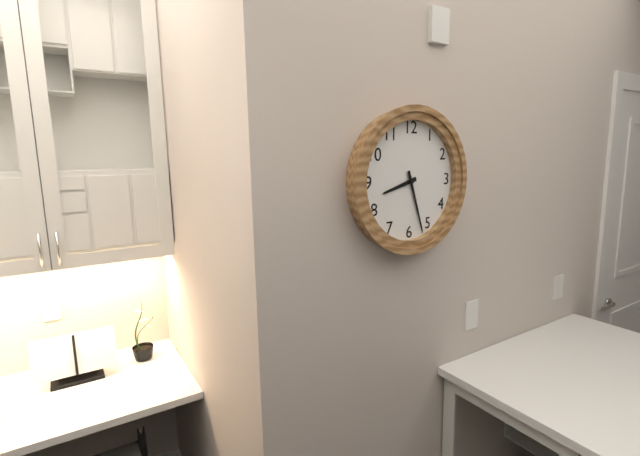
8:27
